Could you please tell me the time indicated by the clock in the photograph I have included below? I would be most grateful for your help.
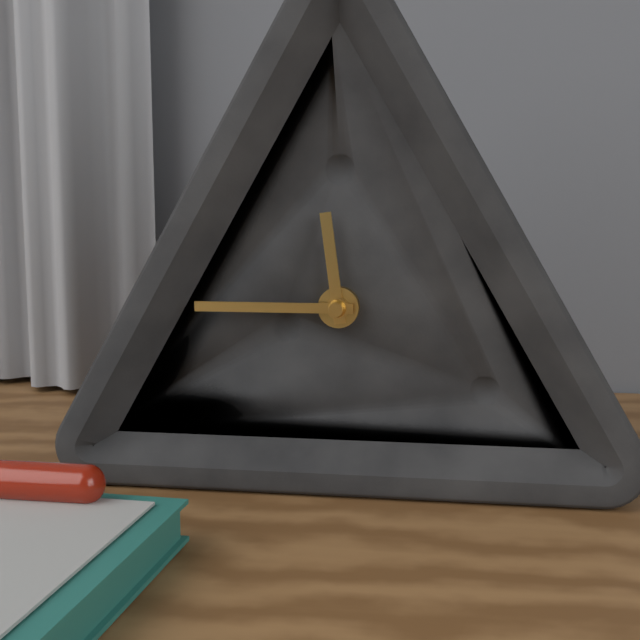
11:45
